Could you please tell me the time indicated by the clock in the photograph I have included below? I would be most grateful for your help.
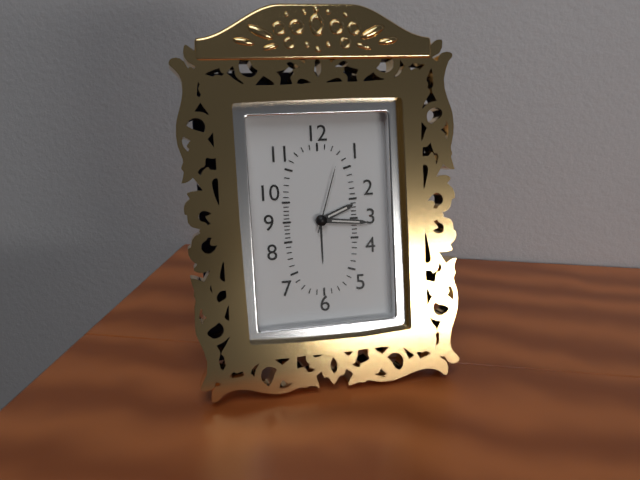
2:16:03
